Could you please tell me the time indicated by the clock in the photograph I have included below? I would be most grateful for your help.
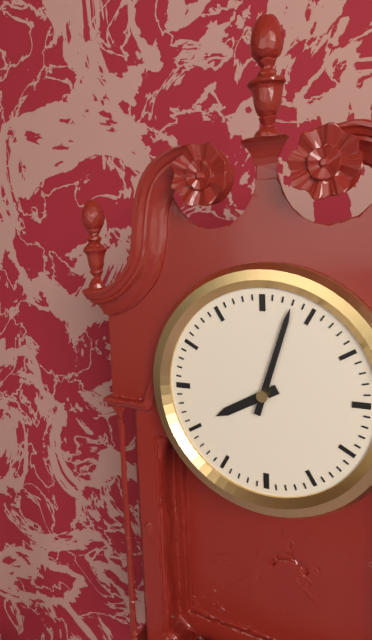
8:03
